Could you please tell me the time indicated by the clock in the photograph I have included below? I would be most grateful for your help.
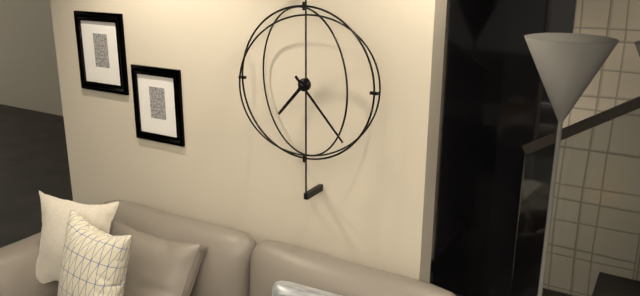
7:23
